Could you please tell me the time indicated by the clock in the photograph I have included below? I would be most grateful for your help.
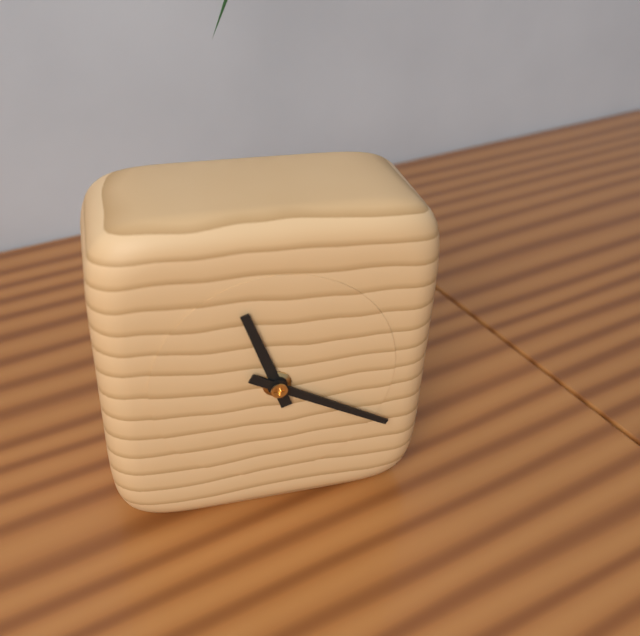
11:20
